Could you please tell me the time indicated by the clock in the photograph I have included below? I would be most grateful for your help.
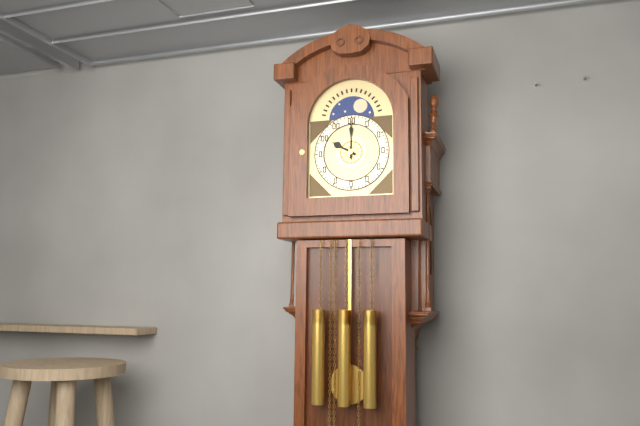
10:00
